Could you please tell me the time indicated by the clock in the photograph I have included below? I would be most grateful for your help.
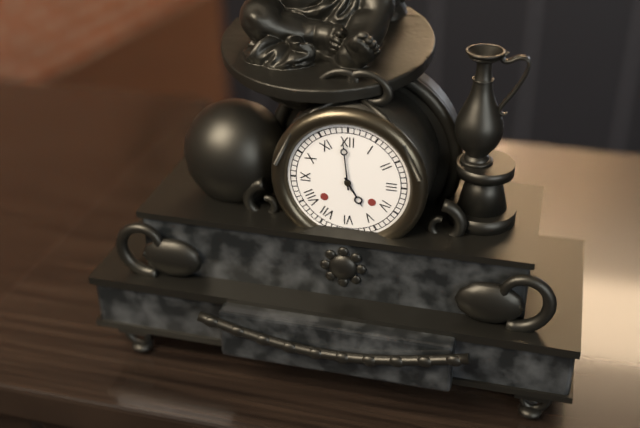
4:59
